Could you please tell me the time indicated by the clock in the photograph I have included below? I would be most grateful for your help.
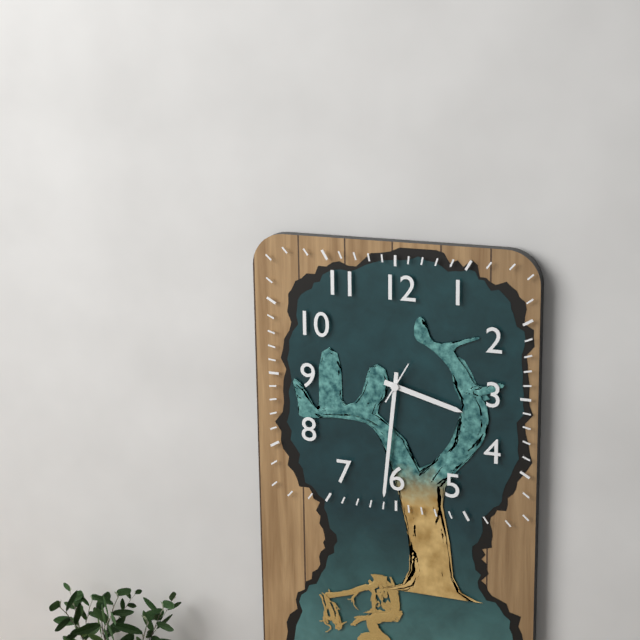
3:31
